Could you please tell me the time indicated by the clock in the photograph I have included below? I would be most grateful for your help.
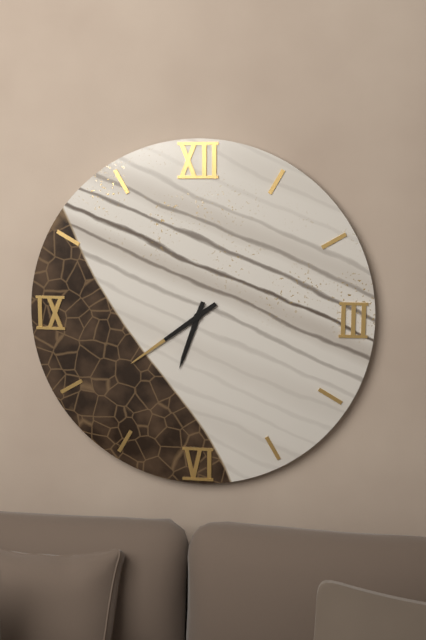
6:39
